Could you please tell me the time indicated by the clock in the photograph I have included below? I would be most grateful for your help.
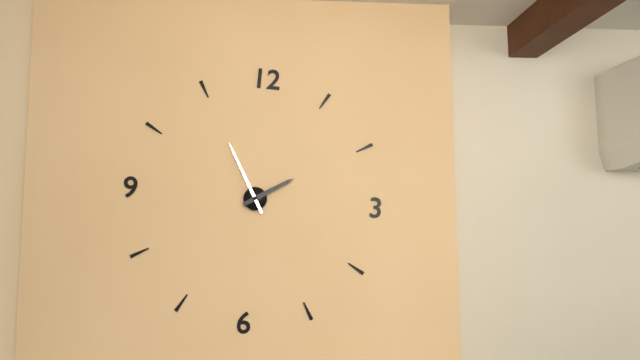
1:55
